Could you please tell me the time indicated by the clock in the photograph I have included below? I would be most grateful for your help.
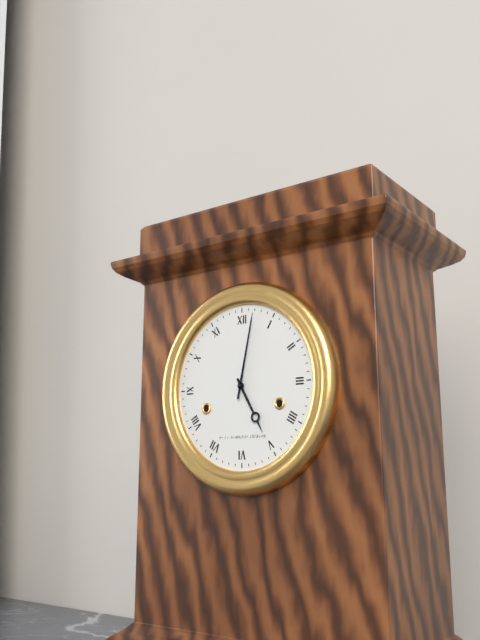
5:02
